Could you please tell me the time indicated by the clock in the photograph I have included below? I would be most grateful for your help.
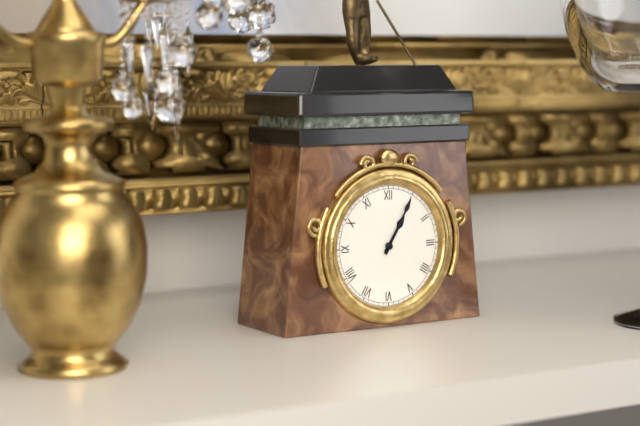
1:05
